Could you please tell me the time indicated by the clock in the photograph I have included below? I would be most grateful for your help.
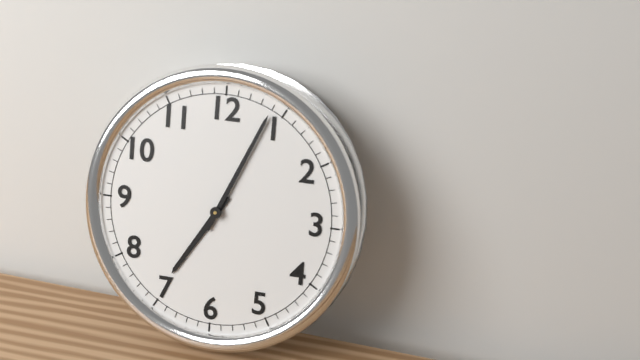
7:04
